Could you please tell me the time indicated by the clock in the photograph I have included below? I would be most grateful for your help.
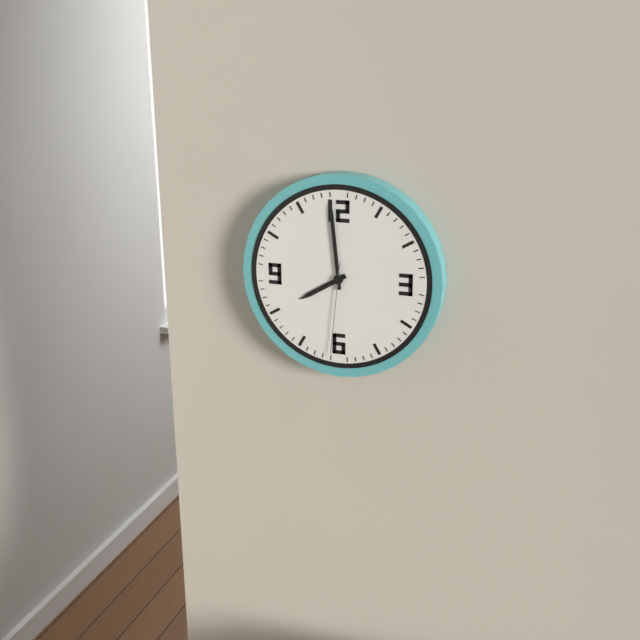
7:59:31
